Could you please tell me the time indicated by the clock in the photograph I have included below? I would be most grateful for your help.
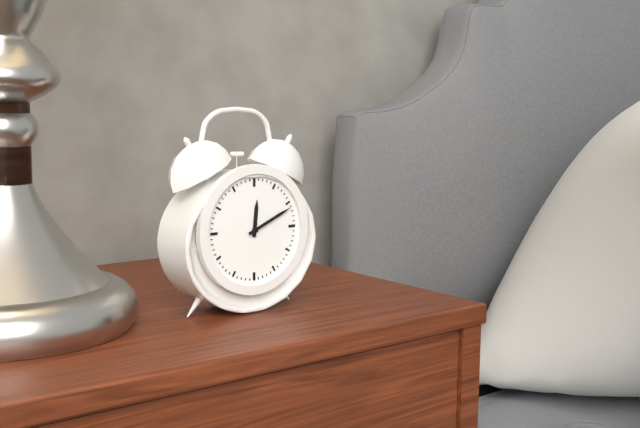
12:11
